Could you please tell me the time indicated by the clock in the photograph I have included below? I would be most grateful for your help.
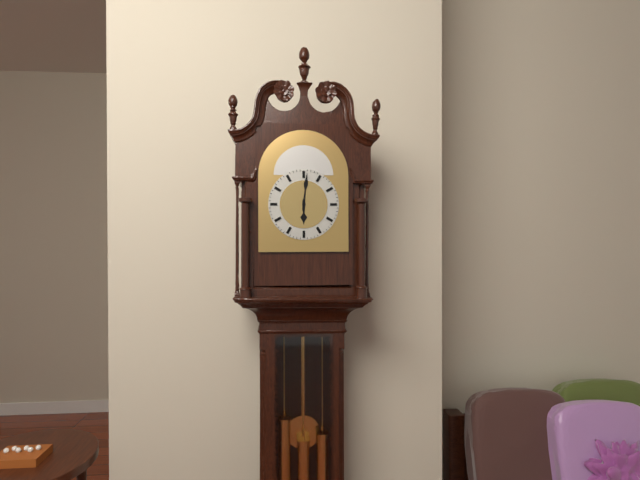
6:01
